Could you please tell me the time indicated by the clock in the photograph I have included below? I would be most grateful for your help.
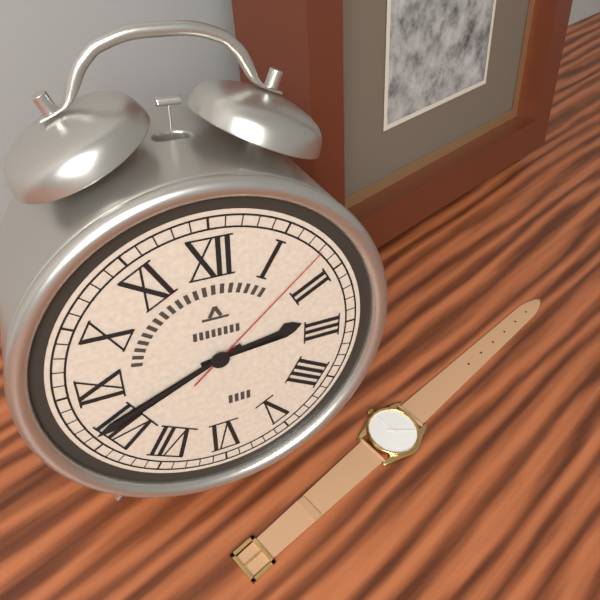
2:41:08
